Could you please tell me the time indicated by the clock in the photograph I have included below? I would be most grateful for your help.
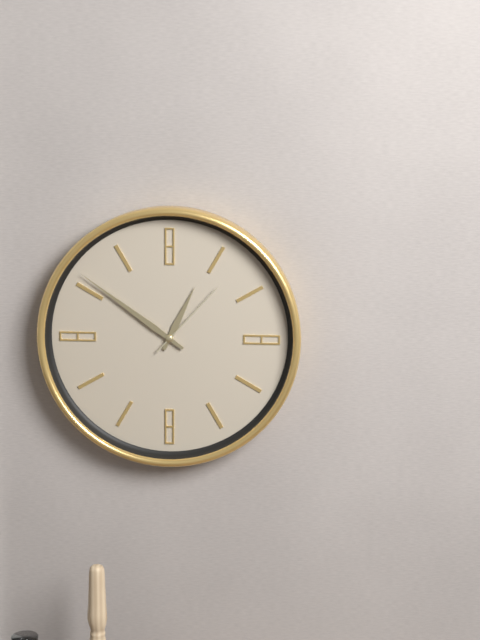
12:51:07
